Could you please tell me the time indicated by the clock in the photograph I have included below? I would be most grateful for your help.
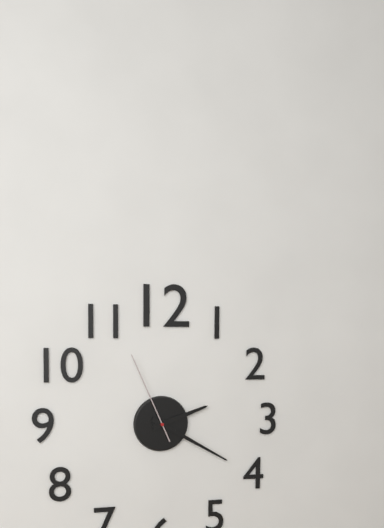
2:20:56
